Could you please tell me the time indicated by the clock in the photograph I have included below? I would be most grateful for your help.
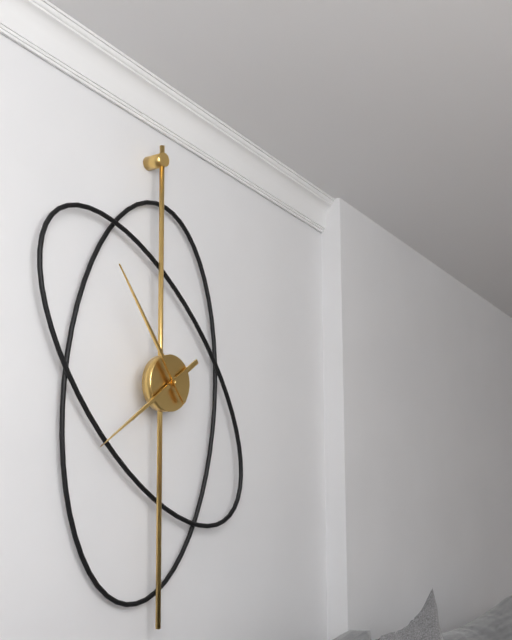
7:54
